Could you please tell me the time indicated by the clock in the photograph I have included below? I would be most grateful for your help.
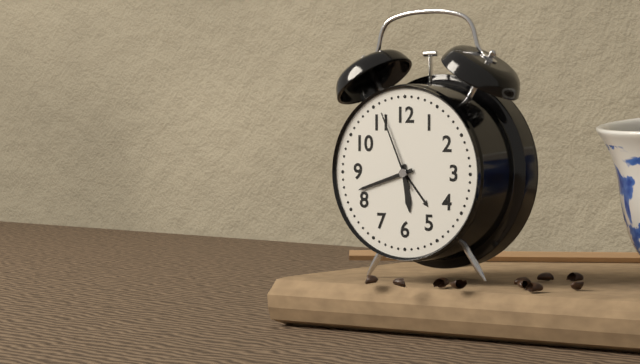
5:42:56
